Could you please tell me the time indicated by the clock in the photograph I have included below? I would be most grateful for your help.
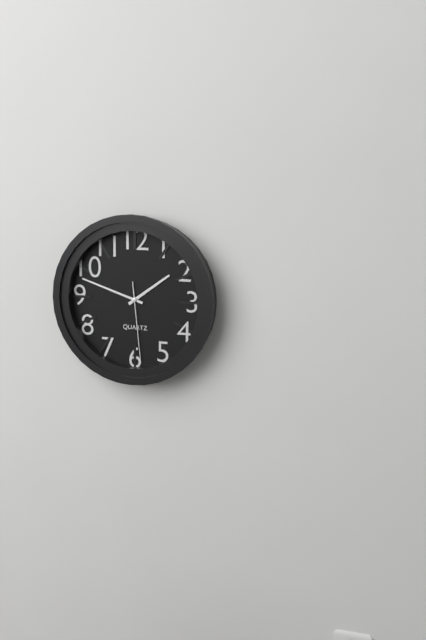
1:48:29
